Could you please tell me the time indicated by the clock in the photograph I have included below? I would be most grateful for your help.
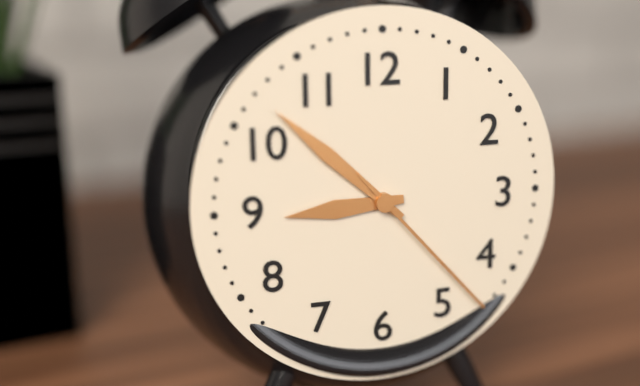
8:52:23
